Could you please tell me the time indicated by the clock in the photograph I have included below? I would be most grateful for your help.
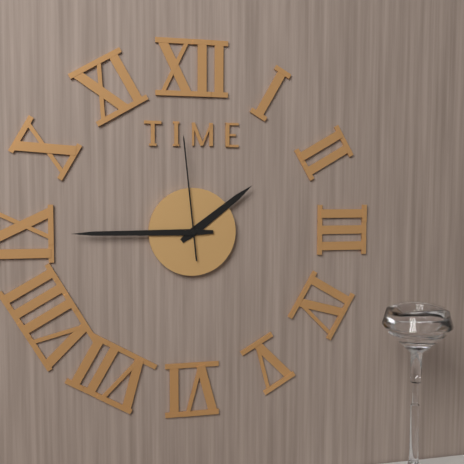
1:45:59
